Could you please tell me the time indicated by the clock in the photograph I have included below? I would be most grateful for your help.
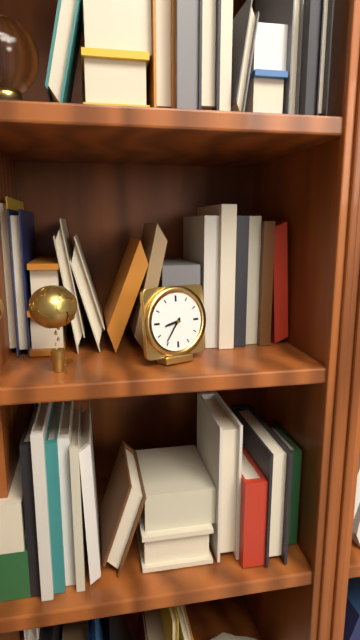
8:36
